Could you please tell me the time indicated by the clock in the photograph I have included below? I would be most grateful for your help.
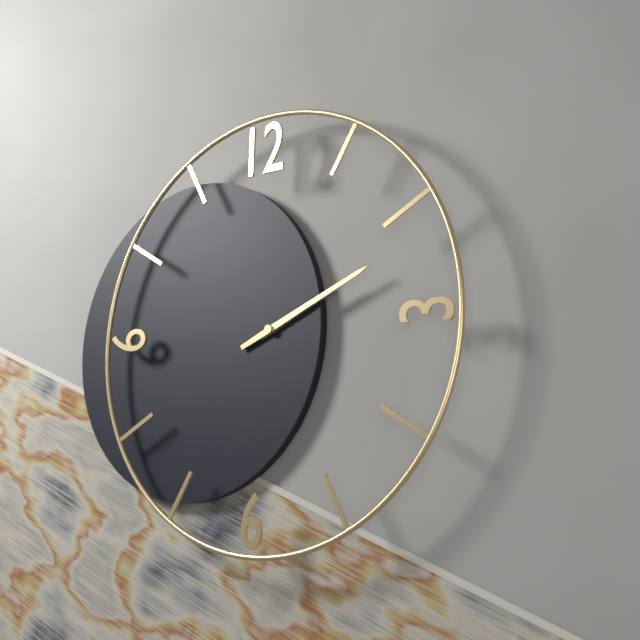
2:11
